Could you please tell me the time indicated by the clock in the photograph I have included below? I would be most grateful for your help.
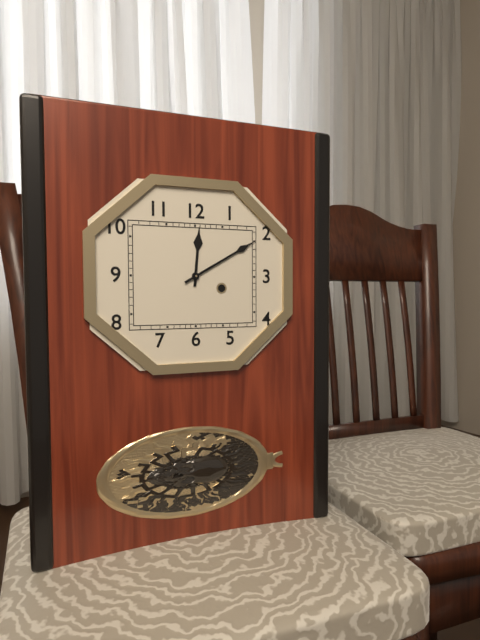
12:10
